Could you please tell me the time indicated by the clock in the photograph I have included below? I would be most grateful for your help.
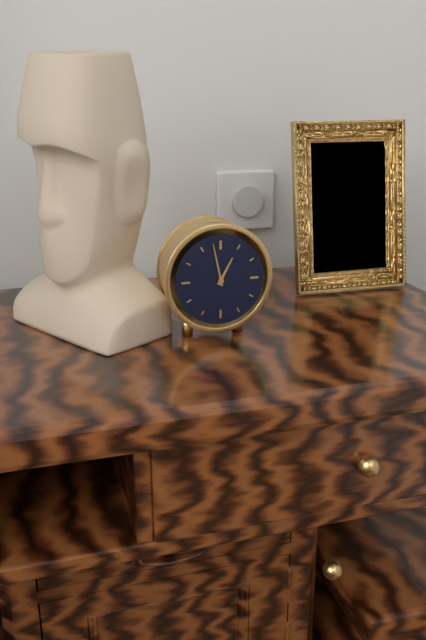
12:58
